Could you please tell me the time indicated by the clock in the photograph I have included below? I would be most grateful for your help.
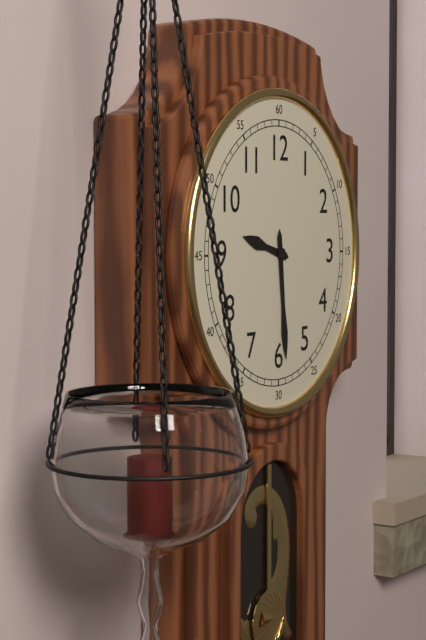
9:29
